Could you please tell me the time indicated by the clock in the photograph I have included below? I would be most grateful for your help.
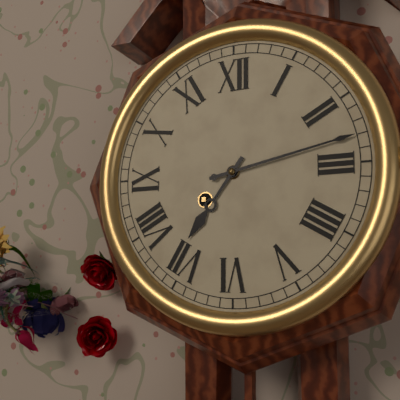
7:13
